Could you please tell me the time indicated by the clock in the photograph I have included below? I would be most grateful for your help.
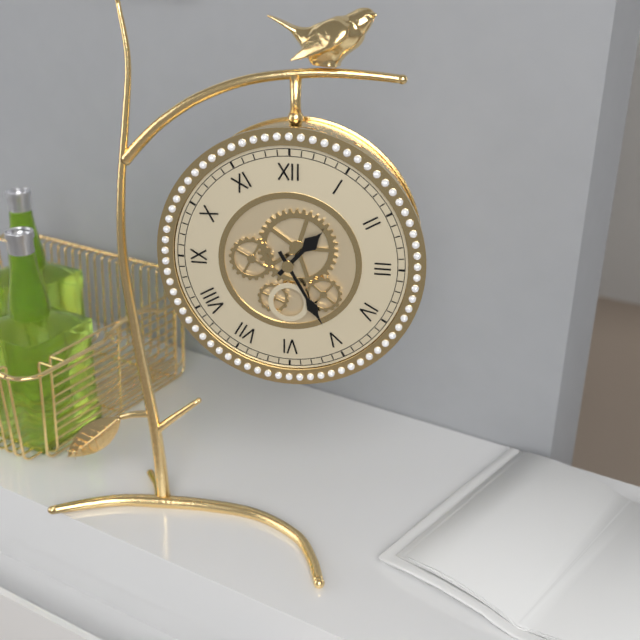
1:25
